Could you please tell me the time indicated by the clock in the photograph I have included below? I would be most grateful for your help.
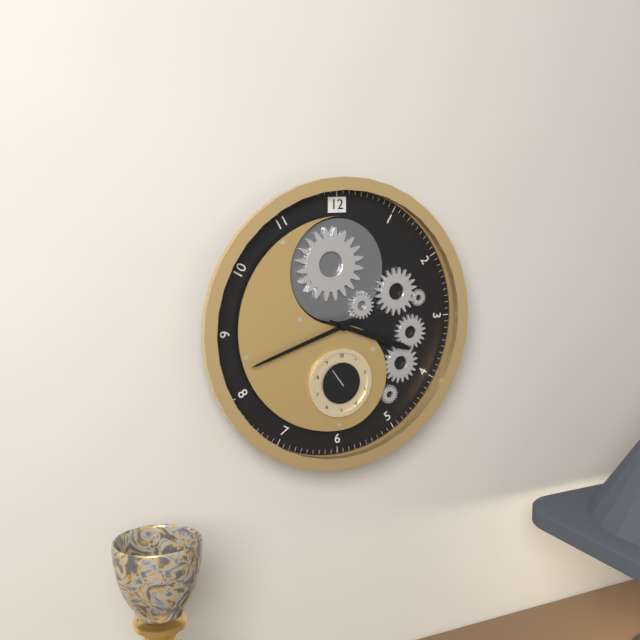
3:42
